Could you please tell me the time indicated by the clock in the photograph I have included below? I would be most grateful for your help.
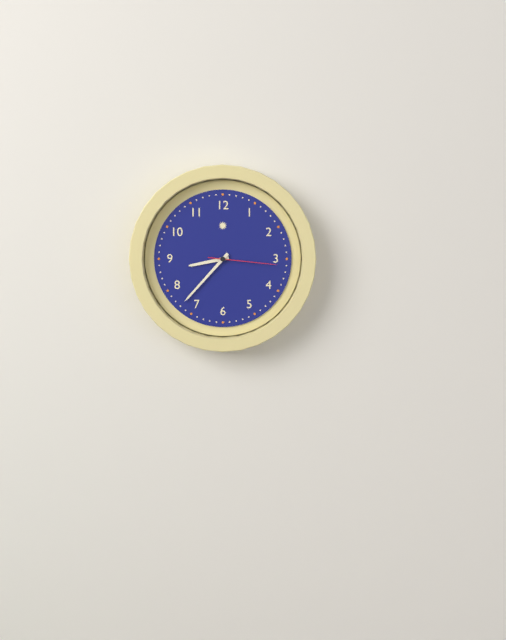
8:37:16
